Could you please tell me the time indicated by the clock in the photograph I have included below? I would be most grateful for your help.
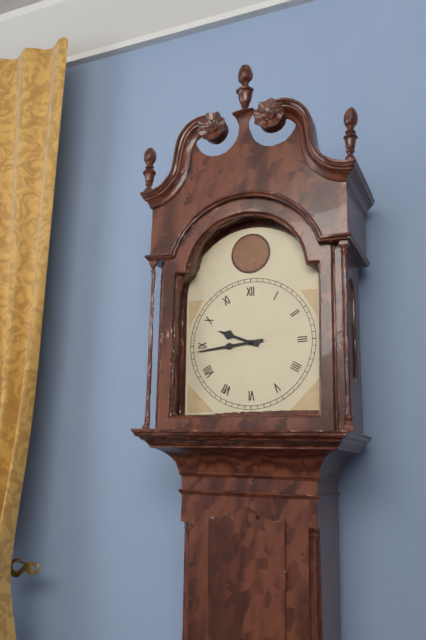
9:44
